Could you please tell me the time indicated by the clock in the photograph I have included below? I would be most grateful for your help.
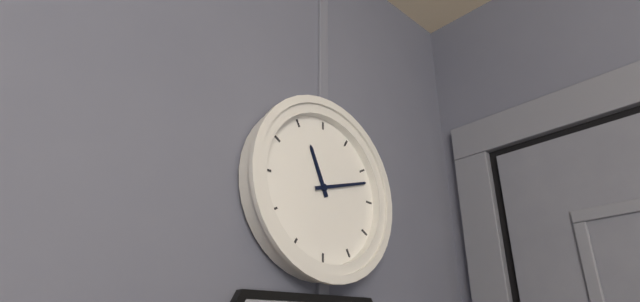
11:12
